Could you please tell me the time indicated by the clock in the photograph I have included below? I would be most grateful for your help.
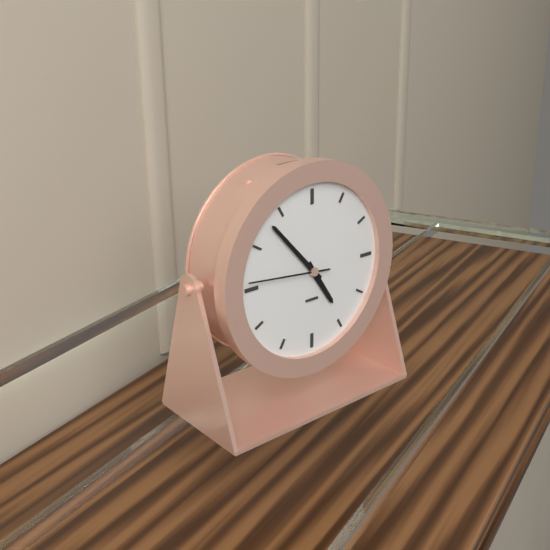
4:53:46
